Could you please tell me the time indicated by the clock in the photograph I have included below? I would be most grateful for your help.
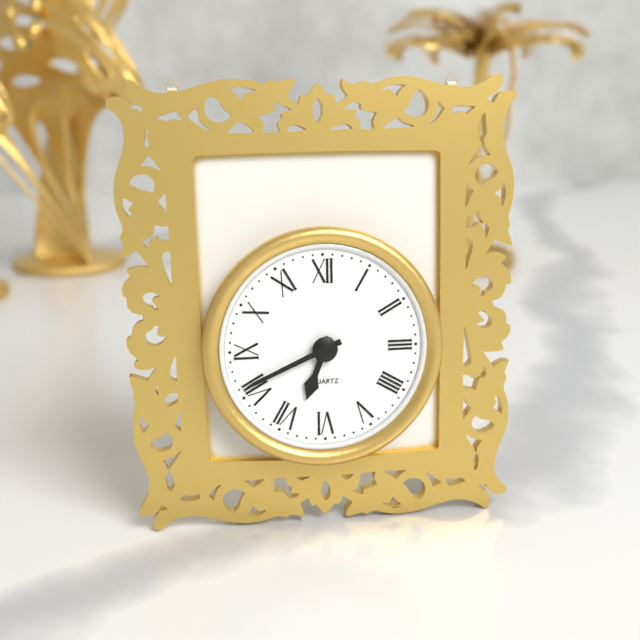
6:41
